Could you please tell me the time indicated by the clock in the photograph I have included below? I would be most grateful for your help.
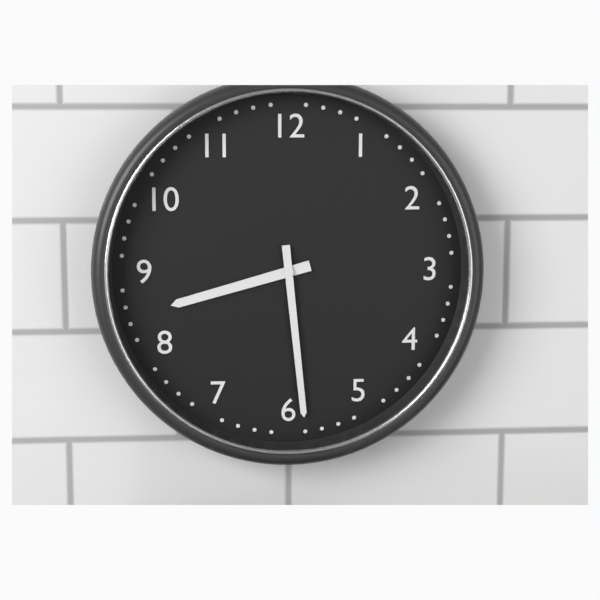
8:29
